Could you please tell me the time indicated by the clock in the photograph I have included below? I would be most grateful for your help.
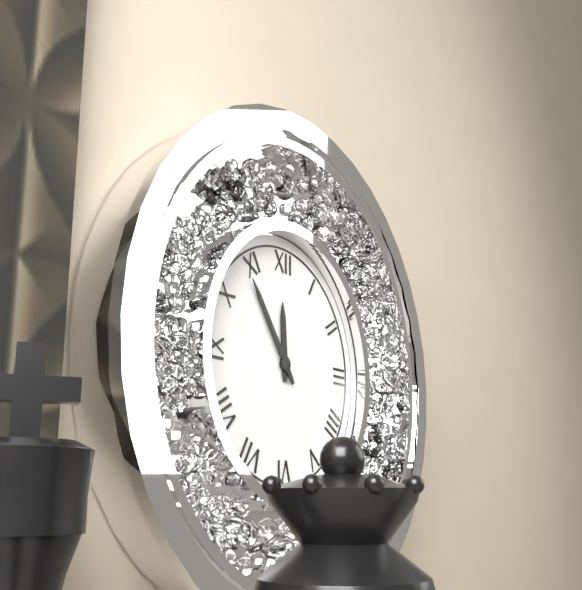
11:54
